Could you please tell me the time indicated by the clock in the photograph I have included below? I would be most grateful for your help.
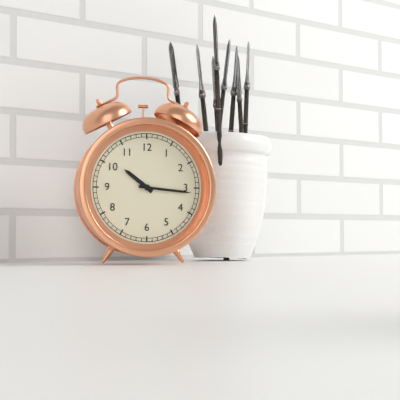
10:16
